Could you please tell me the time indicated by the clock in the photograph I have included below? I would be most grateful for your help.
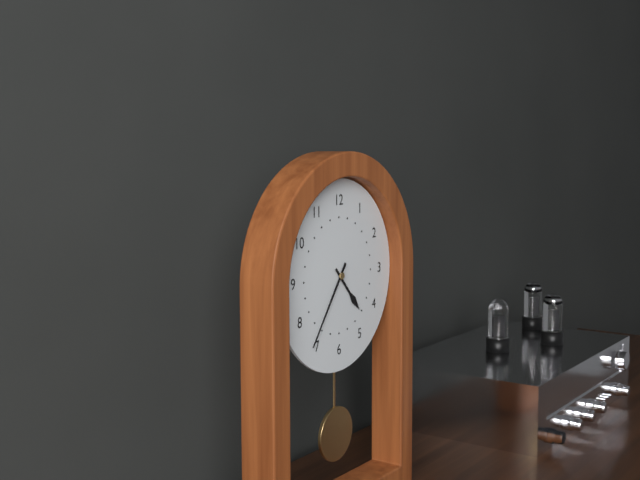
4:36
